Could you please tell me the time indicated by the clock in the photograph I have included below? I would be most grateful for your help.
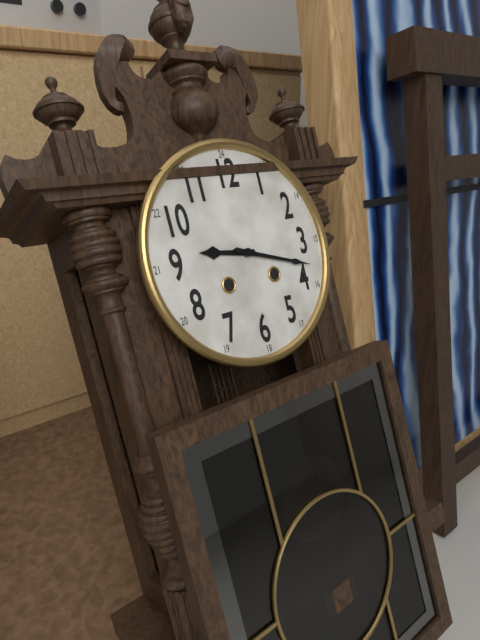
9:18
